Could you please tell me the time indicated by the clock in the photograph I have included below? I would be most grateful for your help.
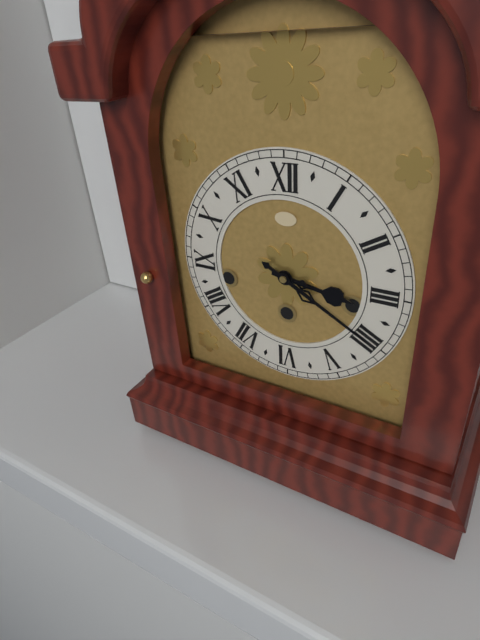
3:20
